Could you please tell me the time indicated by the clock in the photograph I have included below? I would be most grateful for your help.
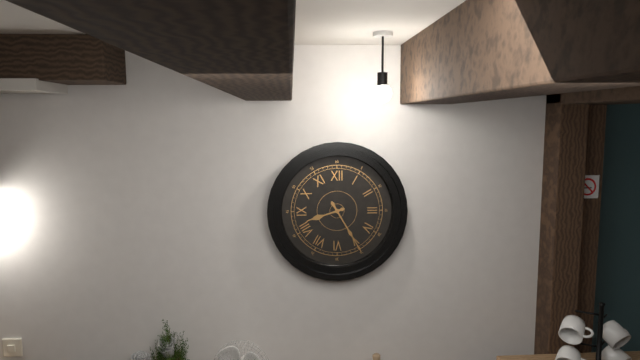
8:25
